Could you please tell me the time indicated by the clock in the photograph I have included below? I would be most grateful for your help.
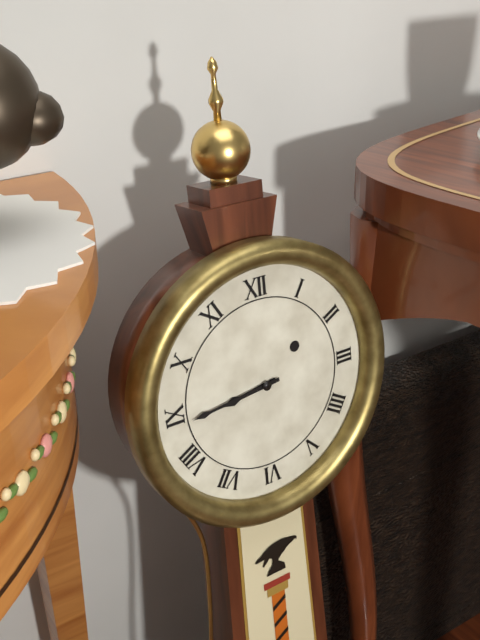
8:44
